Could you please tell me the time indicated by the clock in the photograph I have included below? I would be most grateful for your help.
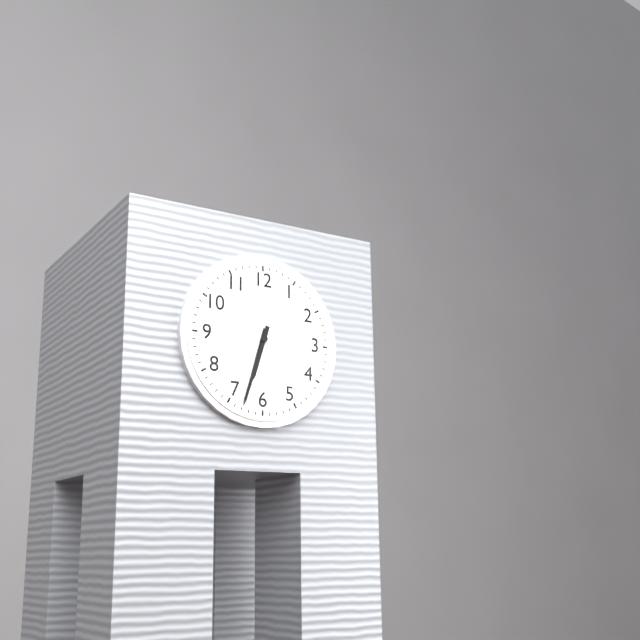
6:33
